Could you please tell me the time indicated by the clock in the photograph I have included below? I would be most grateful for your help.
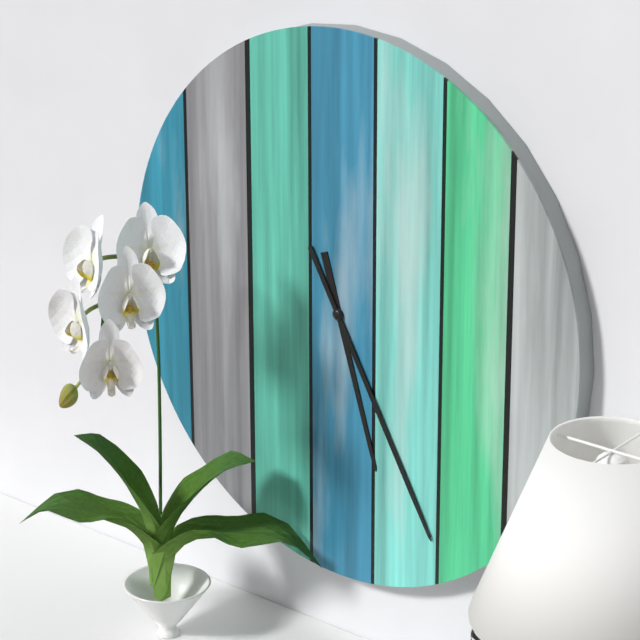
5:25
